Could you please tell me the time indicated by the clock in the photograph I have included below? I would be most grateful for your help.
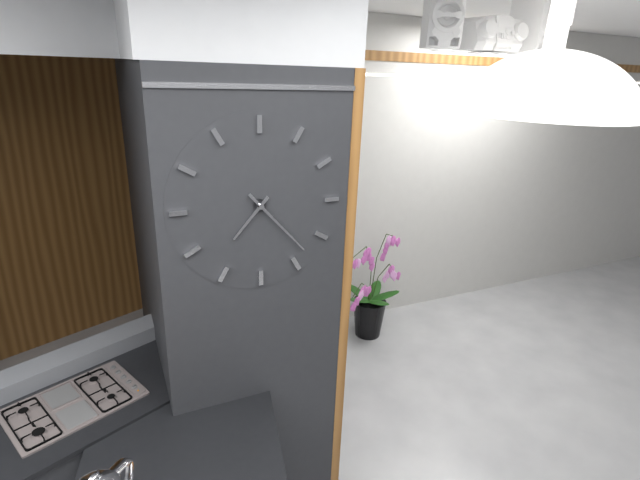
7:23
